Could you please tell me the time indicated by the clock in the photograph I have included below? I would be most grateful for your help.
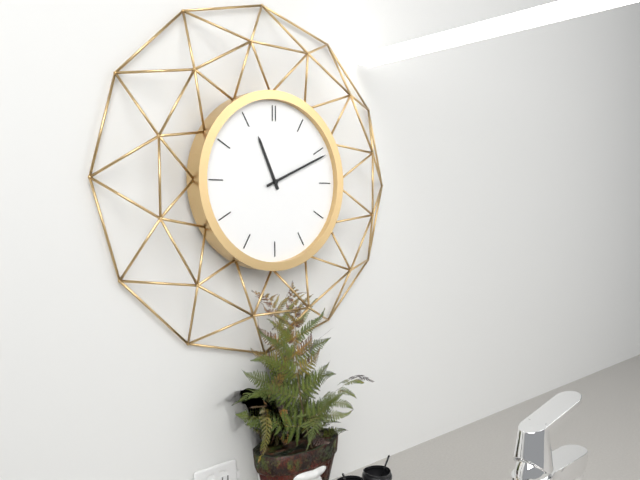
11:11
